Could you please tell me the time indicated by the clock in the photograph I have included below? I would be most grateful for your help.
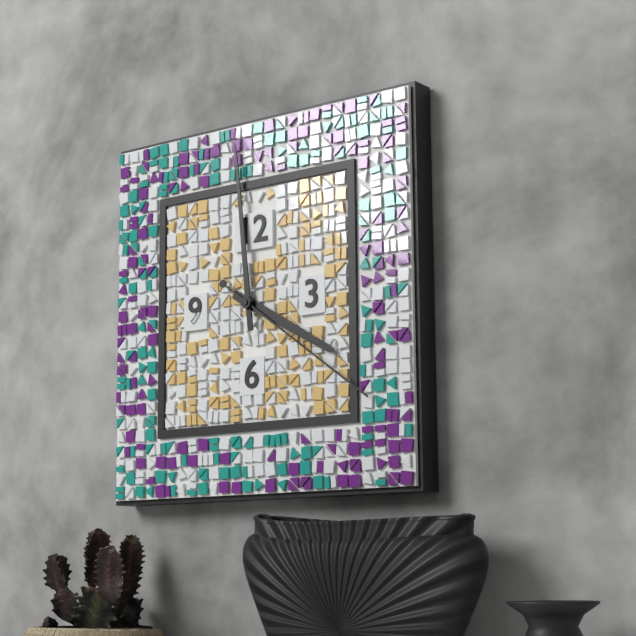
3:59:21
